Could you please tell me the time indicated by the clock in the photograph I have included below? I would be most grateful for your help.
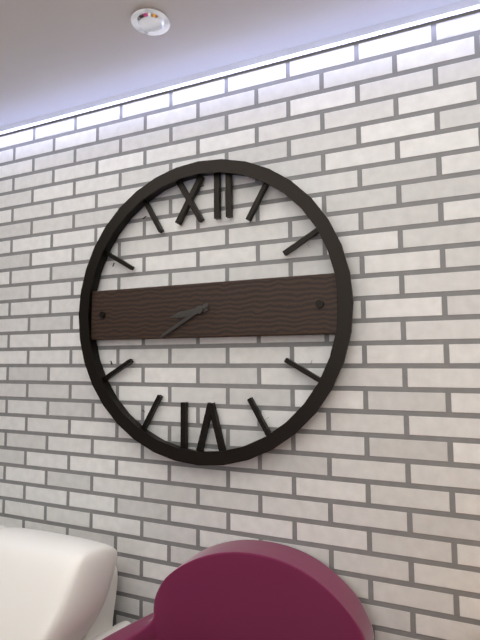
8:40
